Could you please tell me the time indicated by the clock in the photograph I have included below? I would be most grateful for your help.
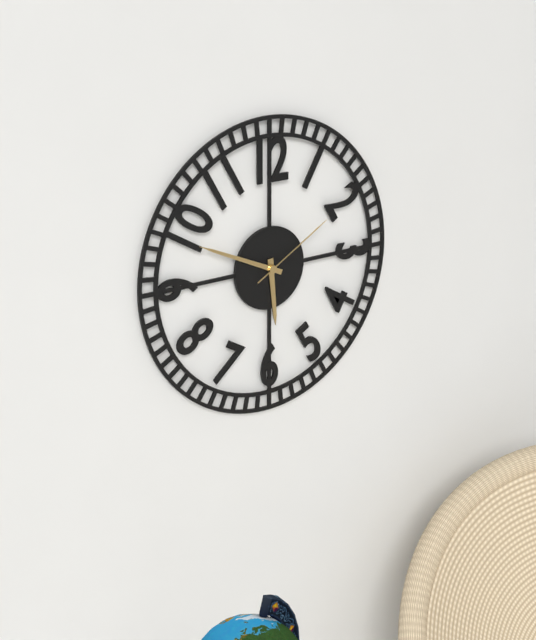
5:49:10
